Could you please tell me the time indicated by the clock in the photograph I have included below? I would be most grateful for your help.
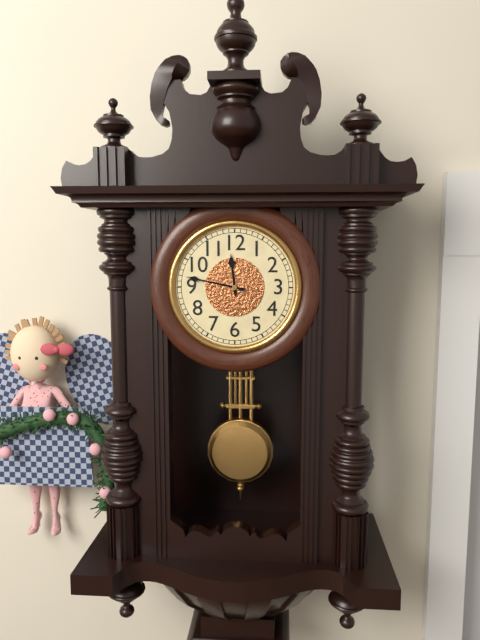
11:47
